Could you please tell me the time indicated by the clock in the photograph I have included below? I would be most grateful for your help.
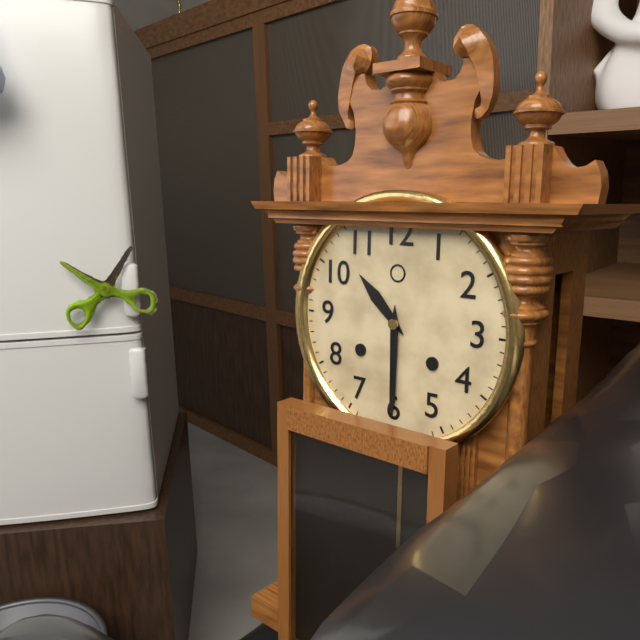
10:30
